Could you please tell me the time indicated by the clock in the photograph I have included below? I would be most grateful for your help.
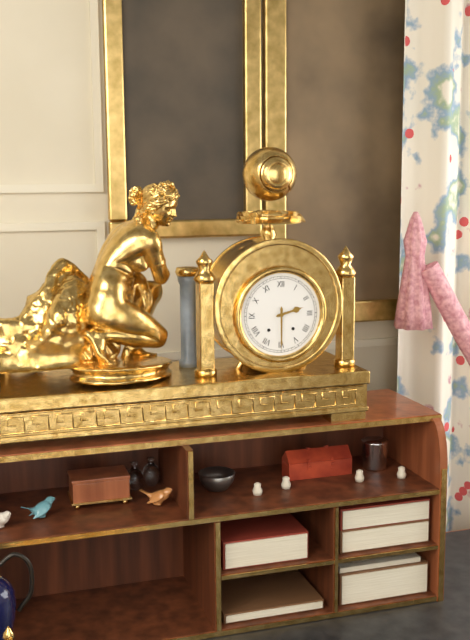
2:30
